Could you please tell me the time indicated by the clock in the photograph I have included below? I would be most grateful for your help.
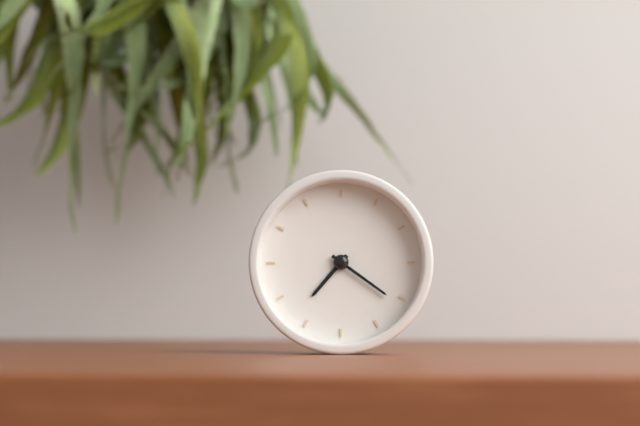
7:21
